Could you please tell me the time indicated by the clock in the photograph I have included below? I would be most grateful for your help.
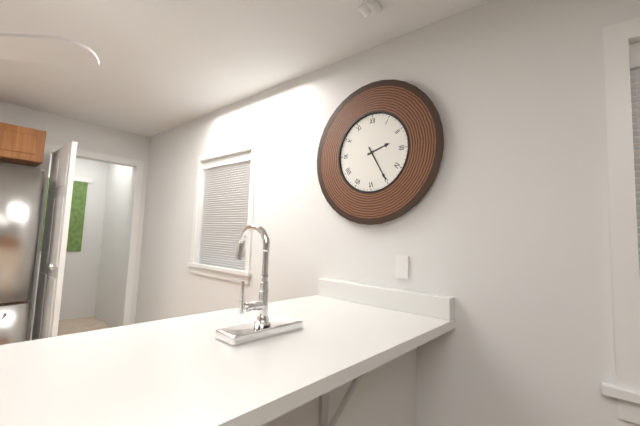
2:25
